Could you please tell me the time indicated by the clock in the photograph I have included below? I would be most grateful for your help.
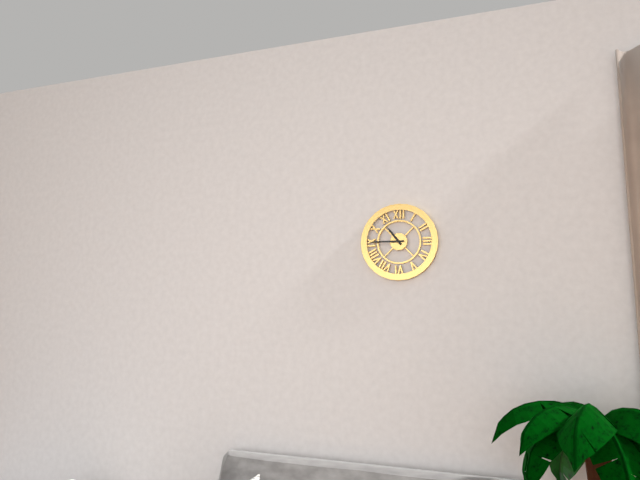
10:45
